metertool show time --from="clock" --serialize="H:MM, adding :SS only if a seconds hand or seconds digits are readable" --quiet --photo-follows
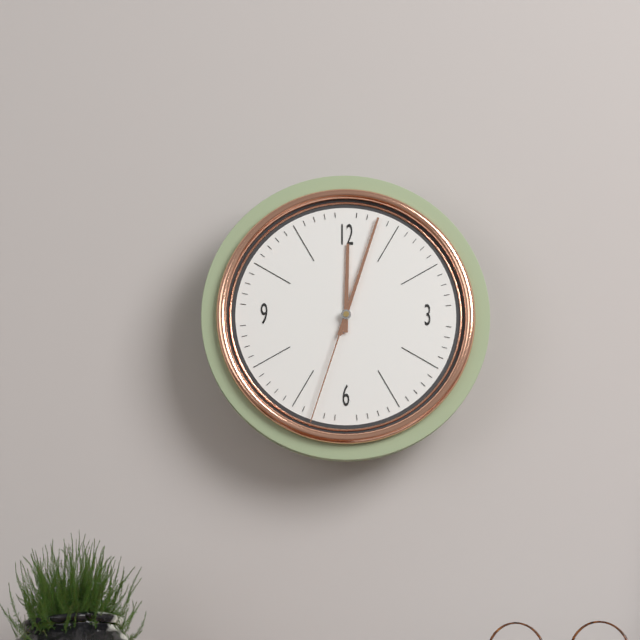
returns 12:03:33
